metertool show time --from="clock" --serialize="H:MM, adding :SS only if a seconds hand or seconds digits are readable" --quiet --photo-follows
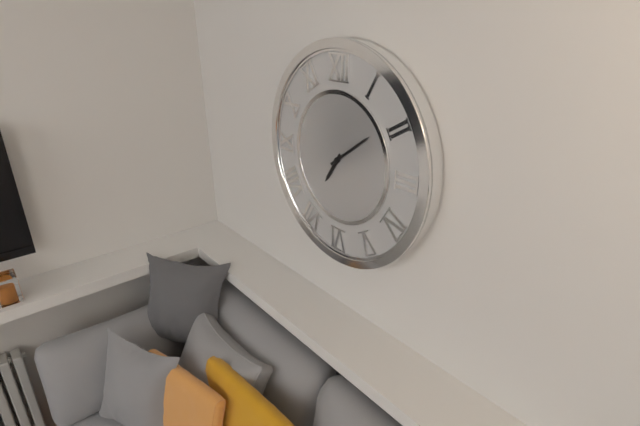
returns 7:09
